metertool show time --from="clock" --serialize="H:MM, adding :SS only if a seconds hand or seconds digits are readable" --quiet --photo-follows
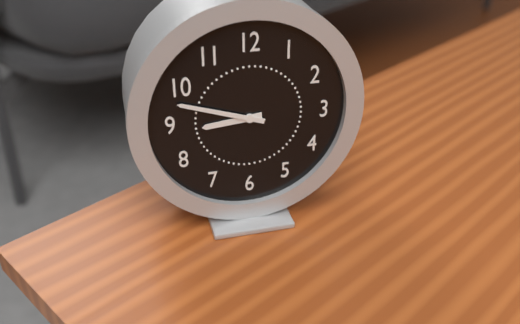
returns 8:48
